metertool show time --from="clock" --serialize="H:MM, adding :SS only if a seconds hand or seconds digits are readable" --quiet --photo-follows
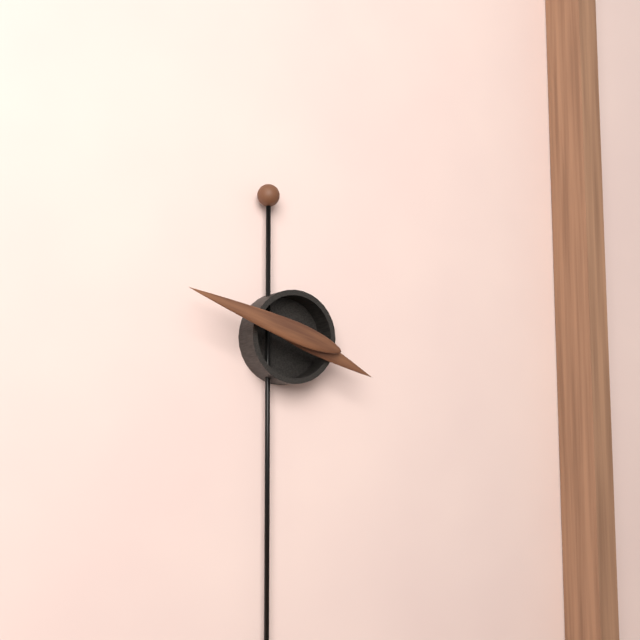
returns 3:48
